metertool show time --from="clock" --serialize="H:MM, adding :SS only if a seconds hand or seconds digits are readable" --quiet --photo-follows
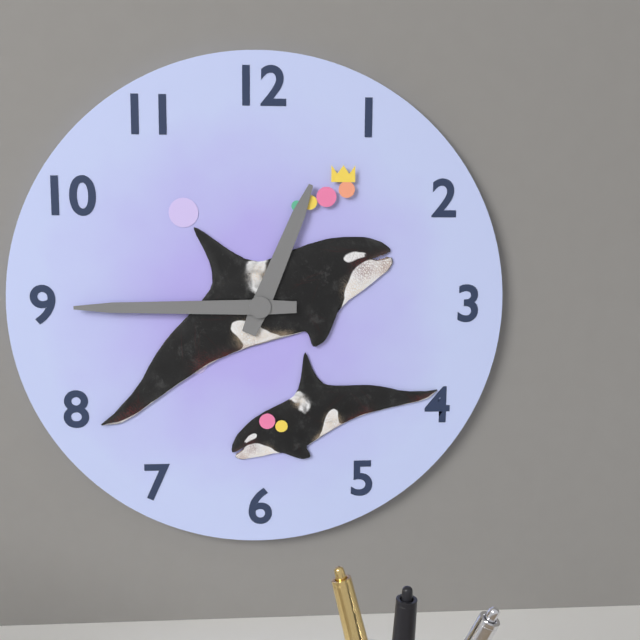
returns 12:45
